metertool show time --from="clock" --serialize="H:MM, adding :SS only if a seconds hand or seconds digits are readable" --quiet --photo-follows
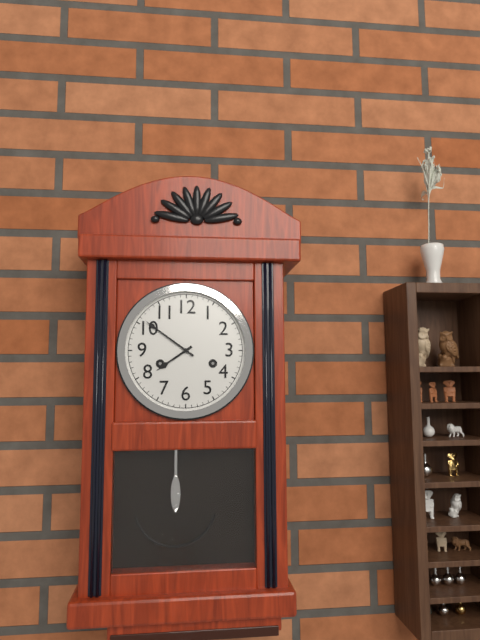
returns 7:51
